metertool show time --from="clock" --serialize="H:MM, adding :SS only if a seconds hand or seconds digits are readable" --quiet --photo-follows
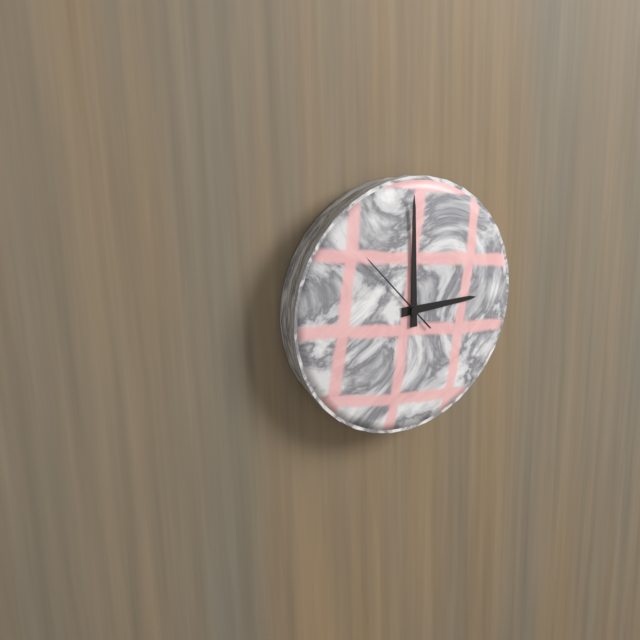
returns 3:00:53
